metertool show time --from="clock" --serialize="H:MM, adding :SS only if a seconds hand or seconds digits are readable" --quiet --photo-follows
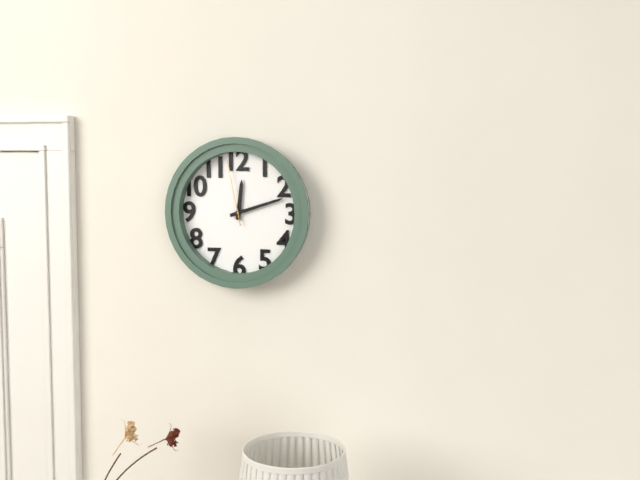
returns 12:12:58
